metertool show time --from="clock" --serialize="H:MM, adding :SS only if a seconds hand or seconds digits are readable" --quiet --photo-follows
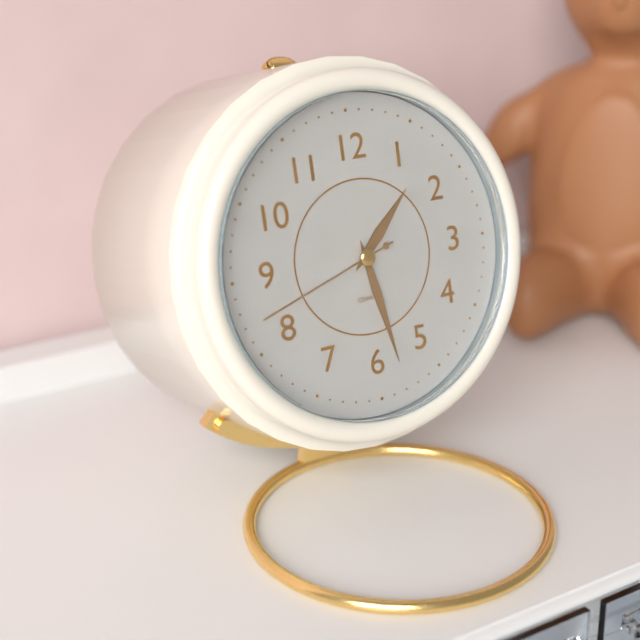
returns 1:28:42
